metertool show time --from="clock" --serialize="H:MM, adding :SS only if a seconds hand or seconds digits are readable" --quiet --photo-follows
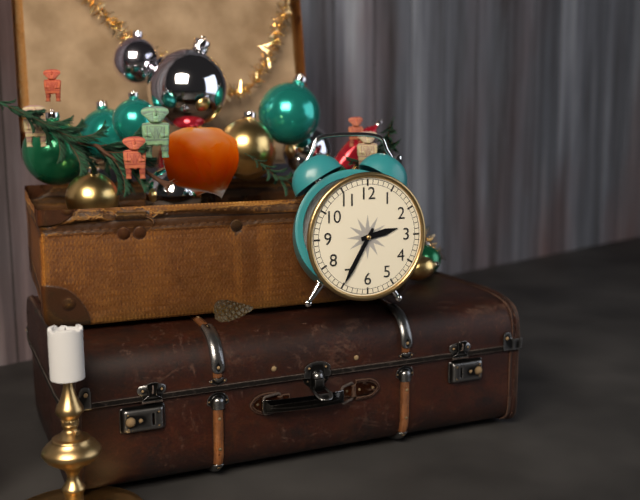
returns 2:35
